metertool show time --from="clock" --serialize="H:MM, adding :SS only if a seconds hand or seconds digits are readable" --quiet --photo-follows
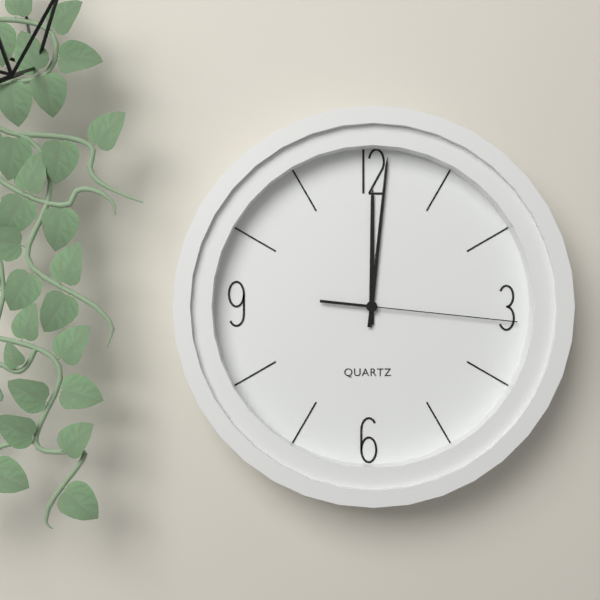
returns 12:01:16
